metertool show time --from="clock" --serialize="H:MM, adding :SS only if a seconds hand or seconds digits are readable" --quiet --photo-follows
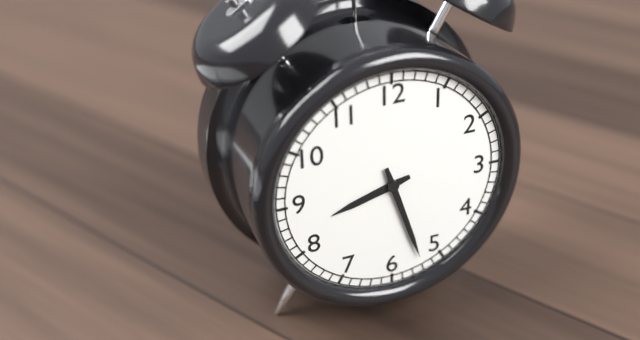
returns 8:27
